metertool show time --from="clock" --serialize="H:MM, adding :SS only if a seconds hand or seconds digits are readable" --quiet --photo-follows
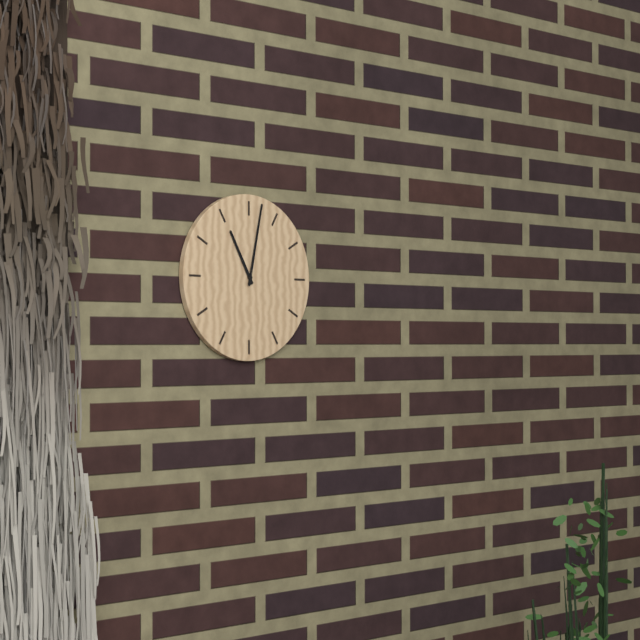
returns 11:02
